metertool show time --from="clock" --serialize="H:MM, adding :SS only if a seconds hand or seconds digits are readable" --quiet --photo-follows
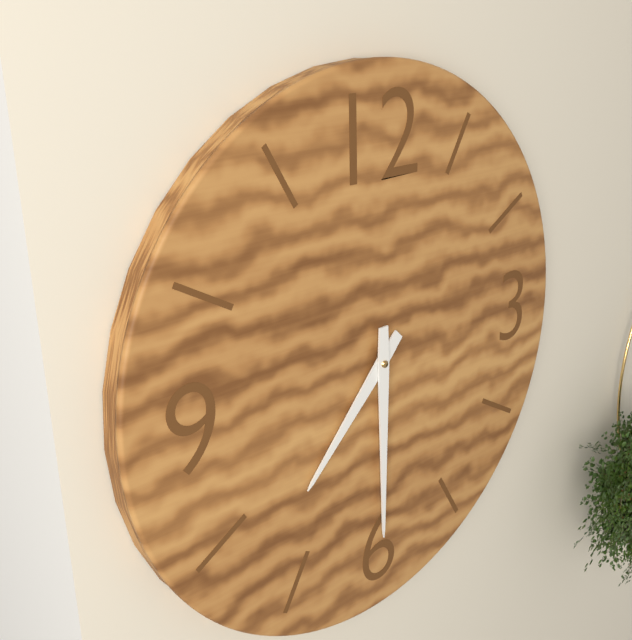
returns 7:30
